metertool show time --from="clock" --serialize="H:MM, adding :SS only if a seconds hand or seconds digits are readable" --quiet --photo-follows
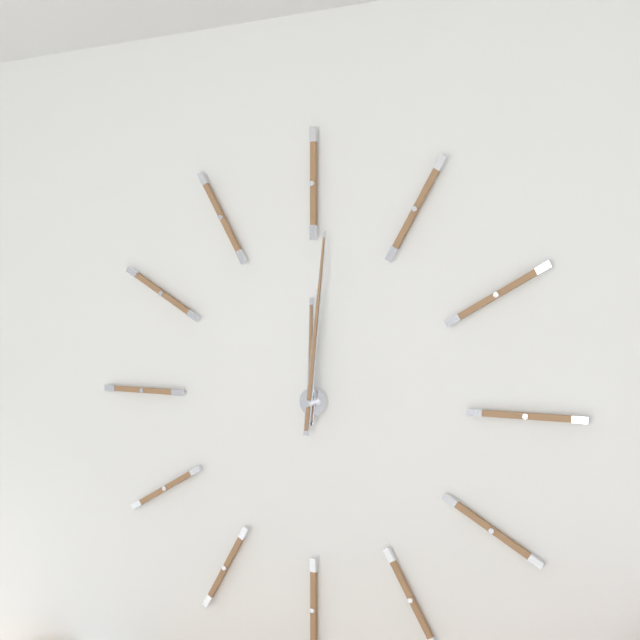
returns 12:01
